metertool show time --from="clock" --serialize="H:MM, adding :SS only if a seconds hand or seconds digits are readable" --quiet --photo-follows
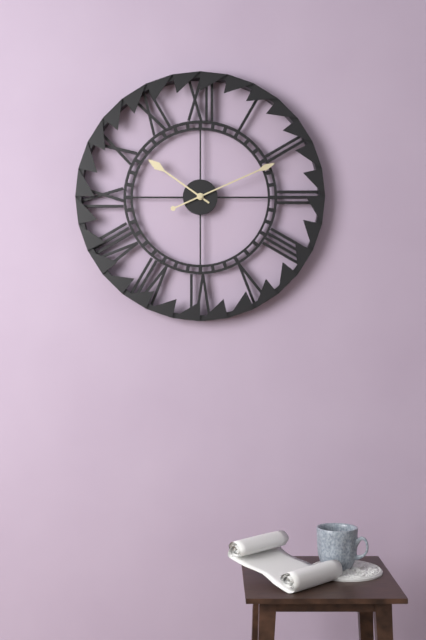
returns 10:11
